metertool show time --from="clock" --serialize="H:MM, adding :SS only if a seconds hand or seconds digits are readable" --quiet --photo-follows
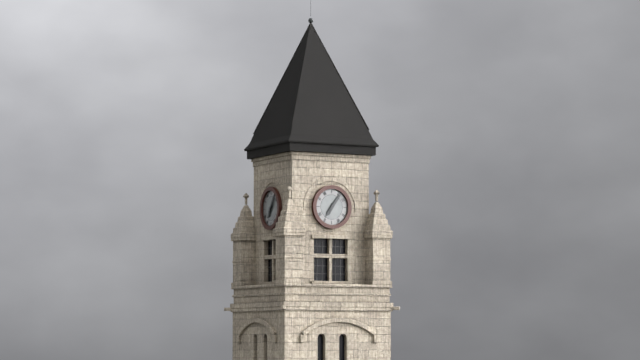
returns 7:06
